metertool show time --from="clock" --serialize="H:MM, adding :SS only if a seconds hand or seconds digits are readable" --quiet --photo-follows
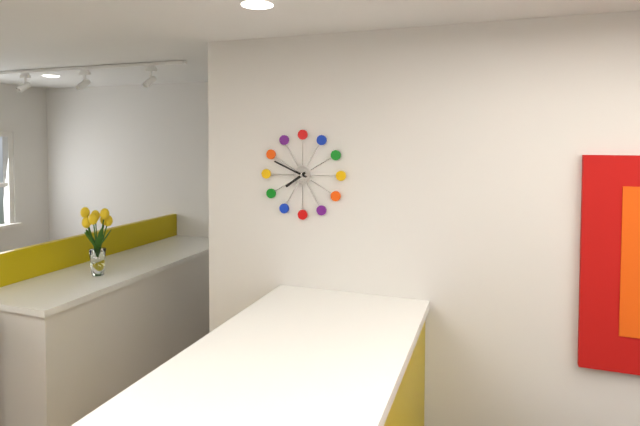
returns 7:49
